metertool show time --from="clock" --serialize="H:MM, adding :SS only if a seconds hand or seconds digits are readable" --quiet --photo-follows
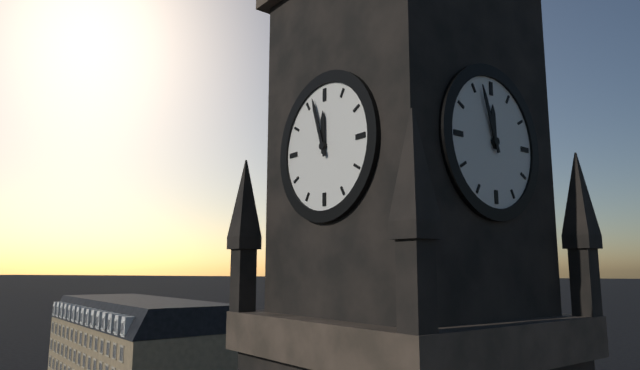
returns 11:57
